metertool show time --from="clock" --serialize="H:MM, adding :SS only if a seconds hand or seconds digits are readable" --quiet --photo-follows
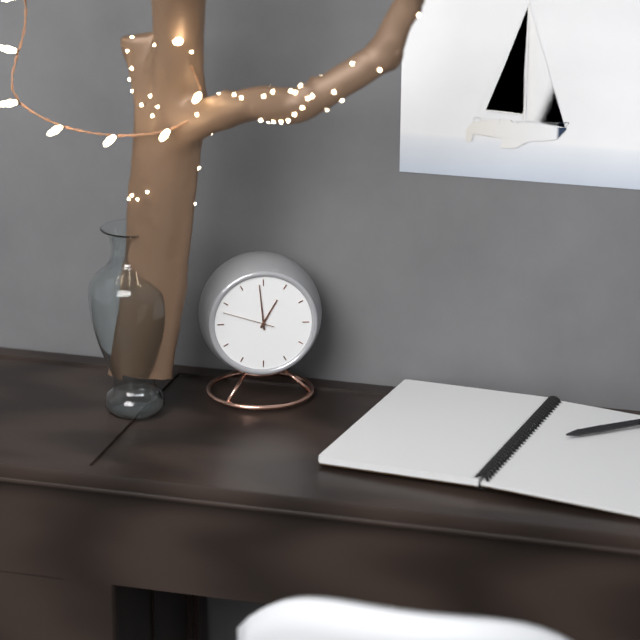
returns 12:59:48
